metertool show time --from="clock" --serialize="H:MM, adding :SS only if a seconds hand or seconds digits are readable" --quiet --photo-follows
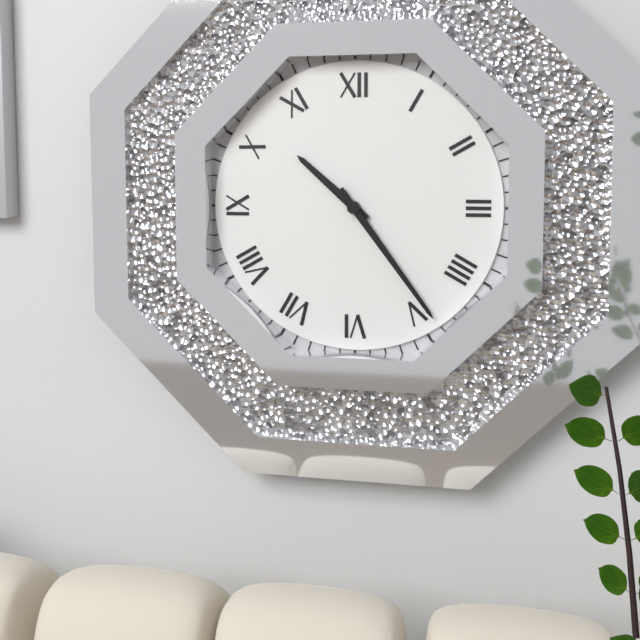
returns 10:24
